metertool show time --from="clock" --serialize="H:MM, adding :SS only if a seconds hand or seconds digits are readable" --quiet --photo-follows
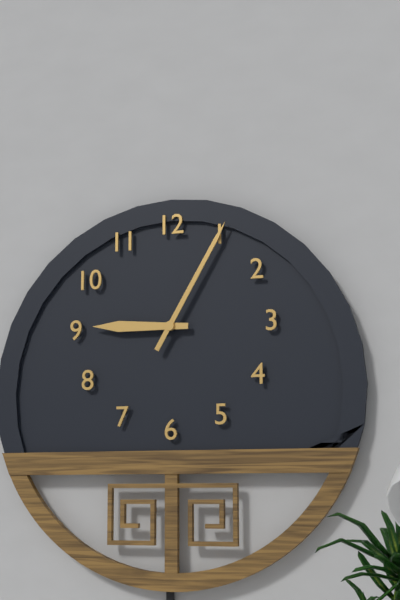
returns 9:05
